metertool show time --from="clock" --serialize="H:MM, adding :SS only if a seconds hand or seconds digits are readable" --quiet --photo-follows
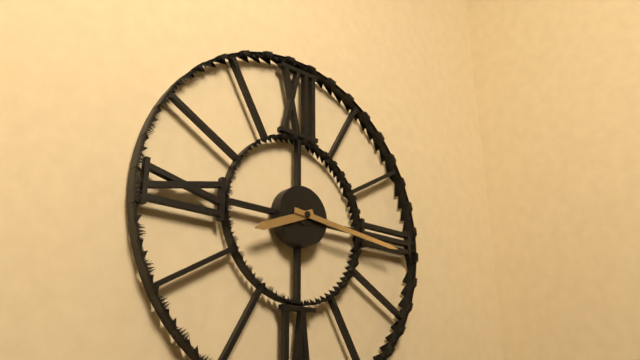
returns 8:16
